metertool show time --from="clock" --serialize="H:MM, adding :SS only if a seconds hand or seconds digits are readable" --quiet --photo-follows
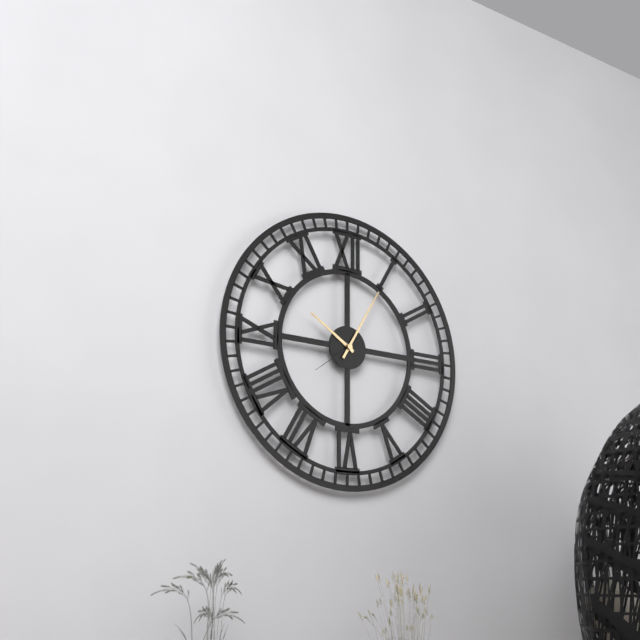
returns 10:05:39
